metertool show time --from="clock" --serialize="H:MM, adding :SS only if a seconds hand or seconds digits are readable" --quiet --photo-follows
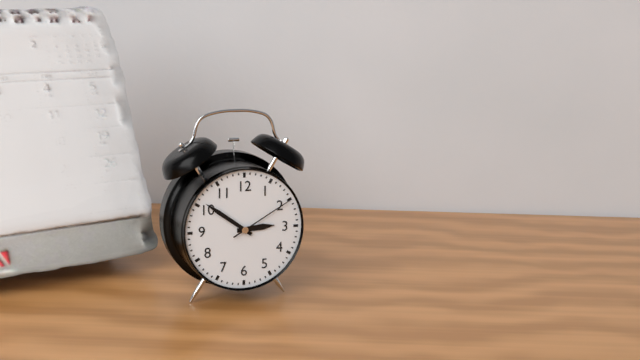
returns 2:51:10
